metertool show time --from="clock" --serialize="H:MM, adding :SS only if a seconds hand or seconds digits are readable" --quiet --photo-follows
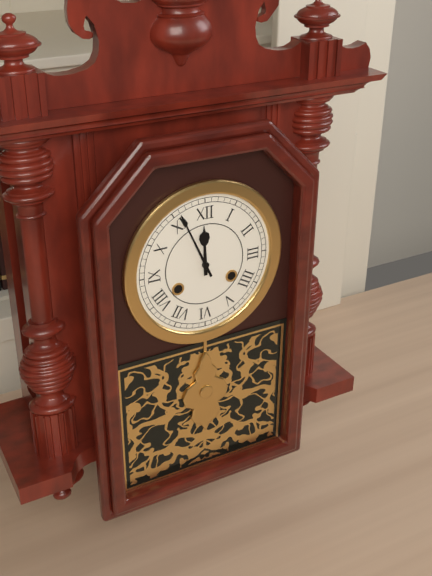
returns 11:56
